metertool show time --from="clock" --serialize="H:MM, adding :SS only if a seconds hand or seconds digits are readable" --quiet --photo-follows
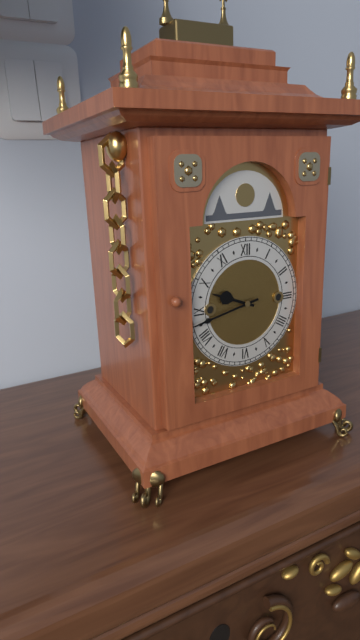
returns 9:43
